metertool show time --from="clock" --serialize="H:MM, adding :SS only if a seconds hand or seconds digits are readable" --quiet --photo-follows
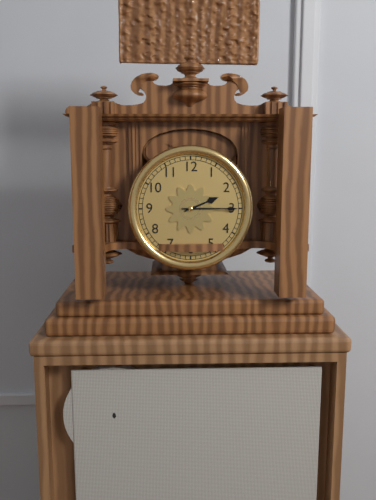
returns 2:15
